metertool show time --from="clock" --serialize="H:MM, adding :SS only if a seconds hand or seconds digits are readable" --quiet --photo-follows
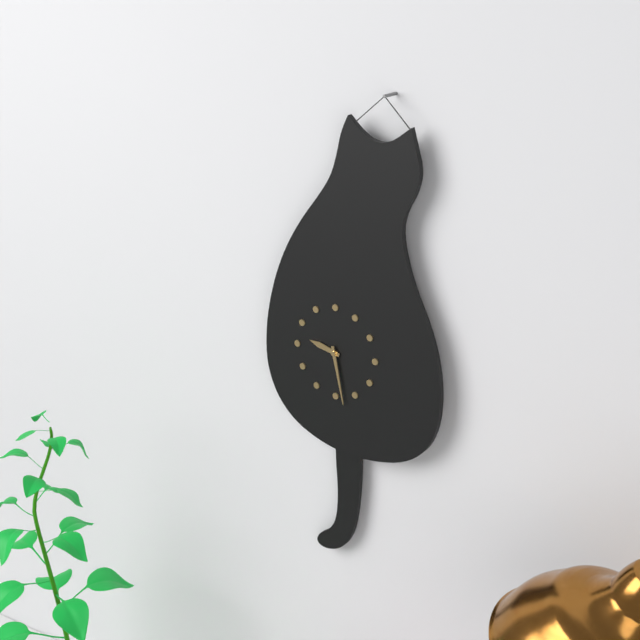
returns 9:28
